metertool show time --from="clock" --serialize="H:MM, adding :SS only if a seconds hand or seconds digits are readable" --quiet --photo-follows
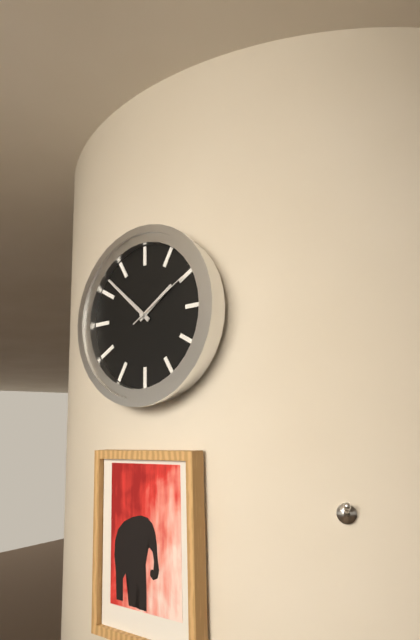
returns 1:52:10
